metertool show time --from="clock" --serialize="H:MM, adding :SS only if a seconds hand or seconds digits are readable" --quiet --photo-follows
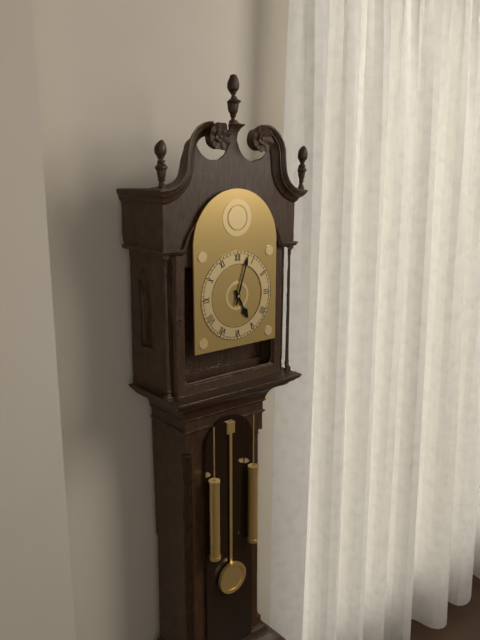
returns 5:03
